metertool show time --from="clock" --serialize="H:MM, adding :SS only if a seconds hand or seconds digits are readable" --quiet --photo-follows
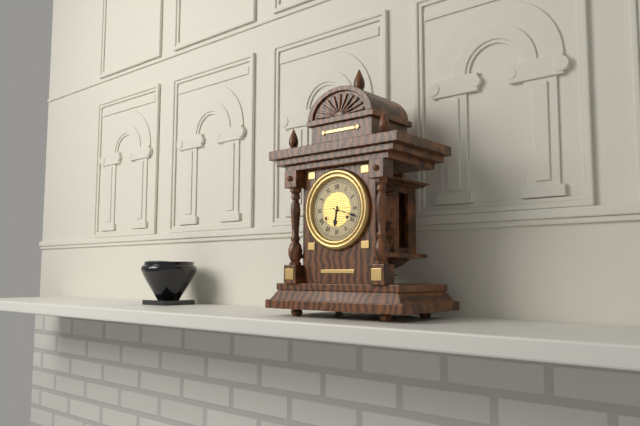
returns 6:18
